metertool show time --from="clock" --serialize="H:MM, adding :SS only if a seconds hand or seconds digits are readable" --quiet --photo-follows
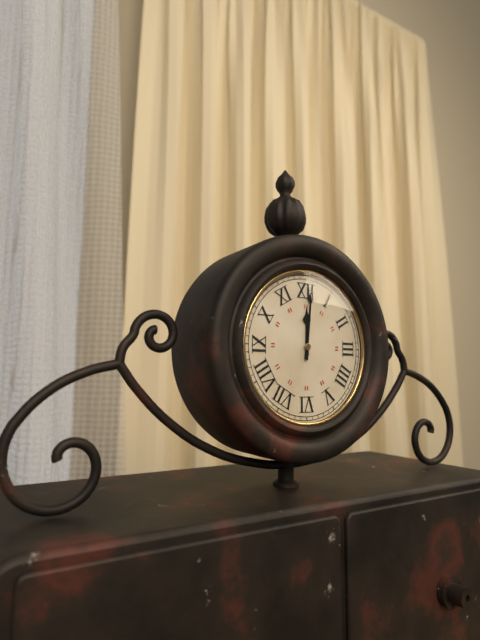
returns 12:01
